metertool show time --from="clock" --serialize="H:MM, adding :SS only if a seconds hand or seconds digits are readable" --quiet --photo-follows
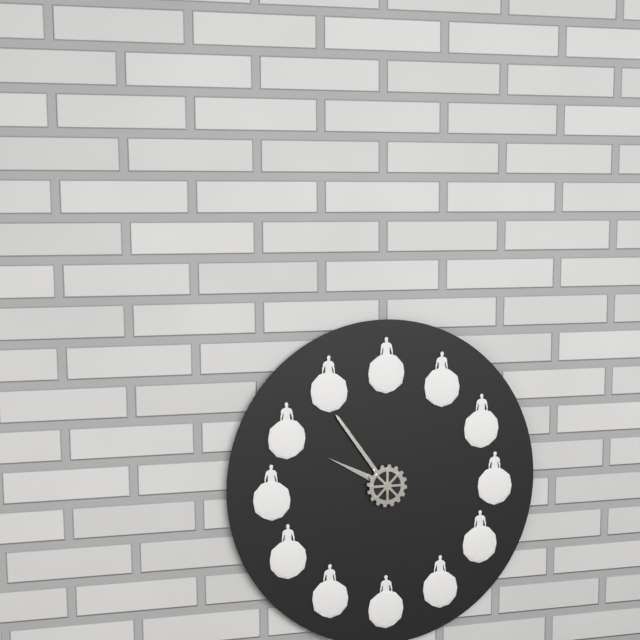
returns 9:54
